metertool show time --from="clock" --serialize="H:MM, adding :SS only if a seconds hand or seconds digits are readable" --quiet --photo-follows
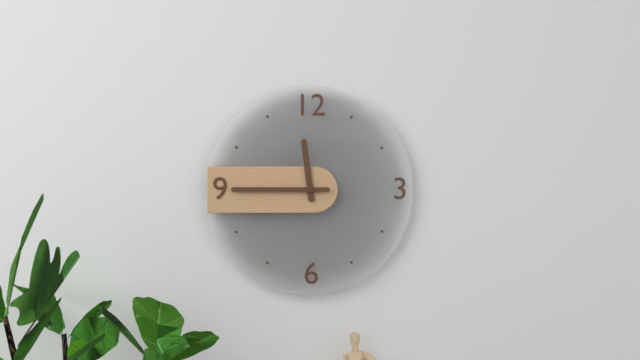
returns 11:45
